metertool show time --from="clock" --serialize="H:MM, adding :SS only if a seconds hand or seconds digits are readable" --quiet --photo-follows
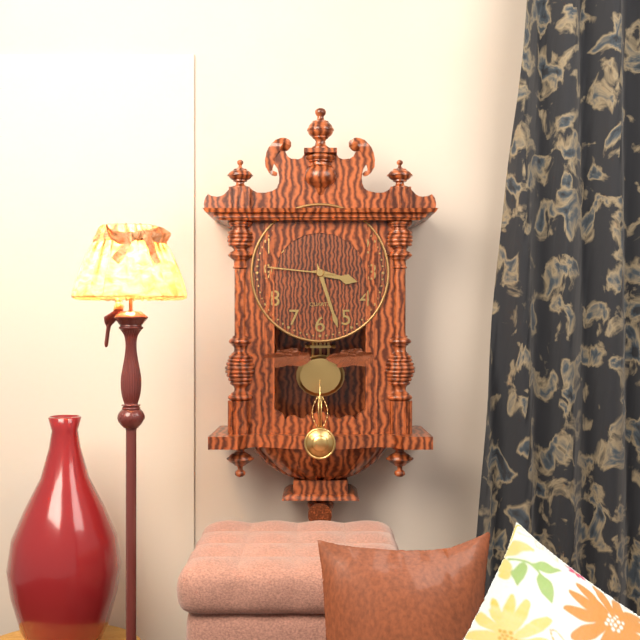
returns 3:27:46
